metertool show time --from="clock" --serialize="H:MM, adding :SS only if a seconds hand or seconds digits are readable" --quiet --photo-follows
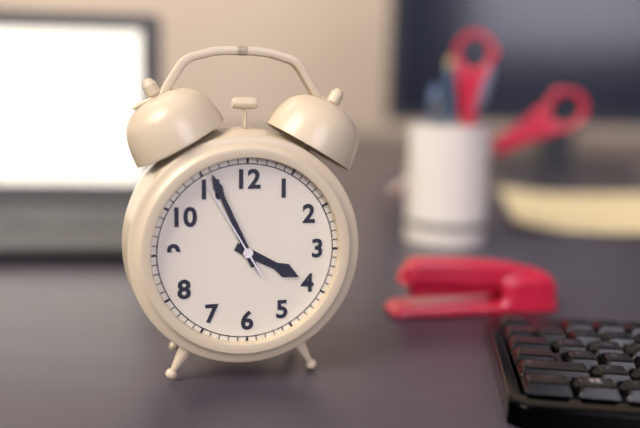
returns 3:56:55
